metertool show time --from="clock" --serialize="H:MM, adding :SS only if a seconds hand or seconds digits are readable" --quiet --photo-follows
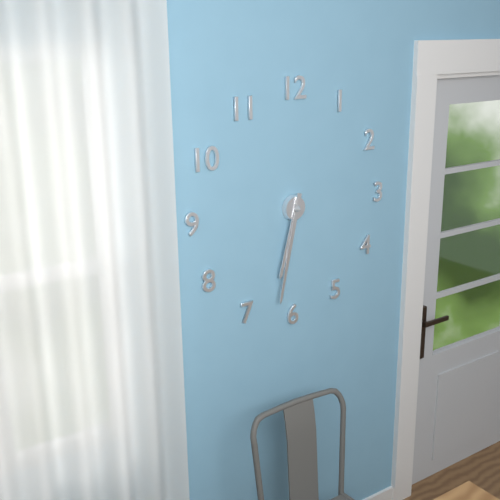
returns 6:32
